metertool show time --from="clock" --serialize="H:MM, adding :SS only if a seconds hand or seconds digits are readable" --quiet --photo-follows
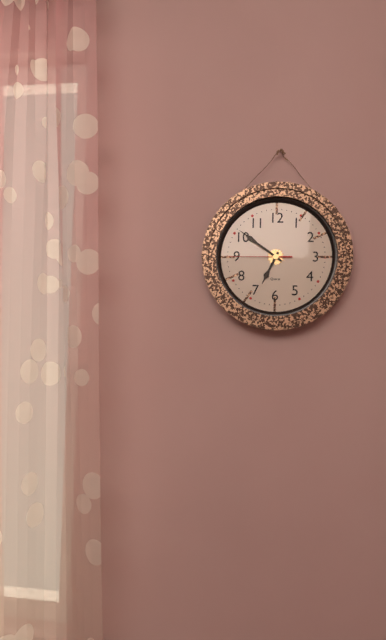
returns 6:51:45
